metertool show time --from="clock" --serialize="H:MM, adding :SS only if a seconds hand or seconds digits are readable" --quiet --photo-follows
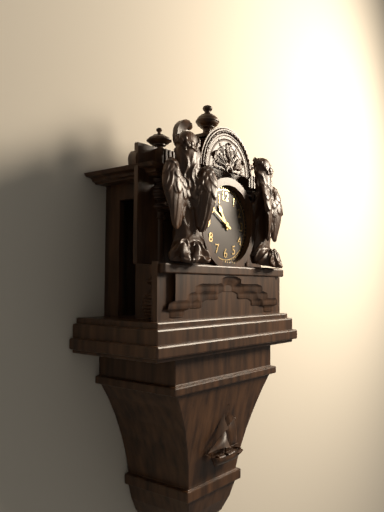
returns 10:50
